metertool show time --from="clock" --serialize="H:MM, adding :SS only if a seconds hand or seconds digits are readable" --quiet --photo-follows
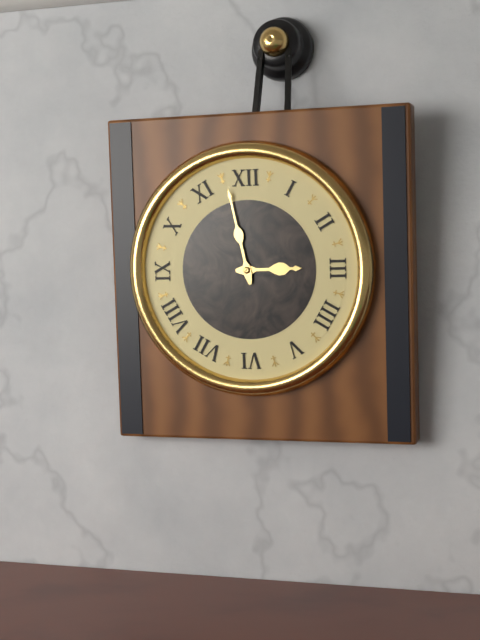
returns 2:58
